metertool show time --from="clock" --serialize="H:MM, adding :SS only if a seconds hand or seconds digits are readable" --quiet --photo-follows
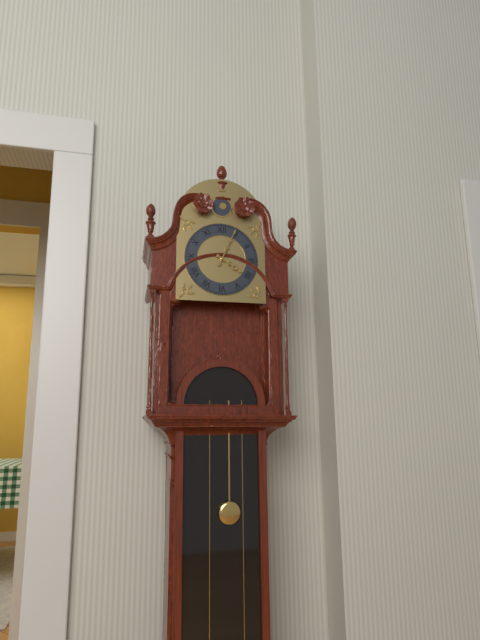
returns 4:04
